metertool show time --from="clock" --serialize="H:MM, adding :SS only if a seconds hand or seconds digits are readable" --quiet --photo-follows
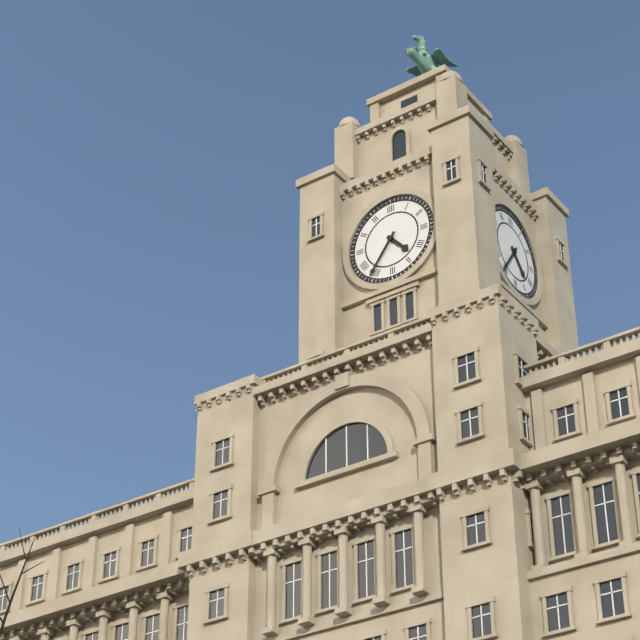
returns 4:36
